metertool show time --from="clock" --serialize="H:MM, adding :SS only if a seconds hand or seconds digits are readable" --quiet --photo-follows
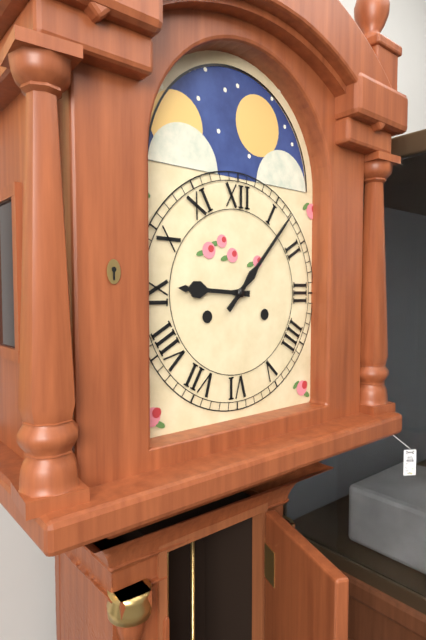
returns 9:07
